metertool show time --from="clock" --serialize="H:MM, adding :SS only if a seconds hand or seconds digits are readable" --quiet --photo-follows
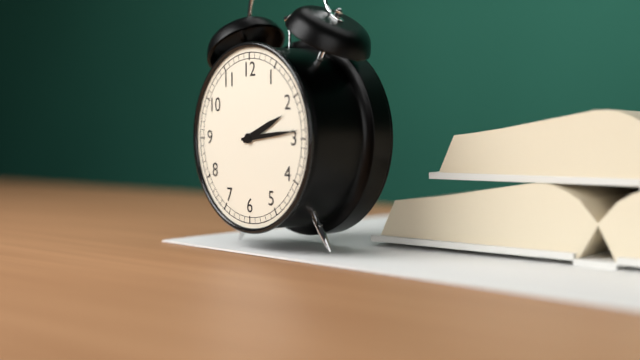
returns 2:14
